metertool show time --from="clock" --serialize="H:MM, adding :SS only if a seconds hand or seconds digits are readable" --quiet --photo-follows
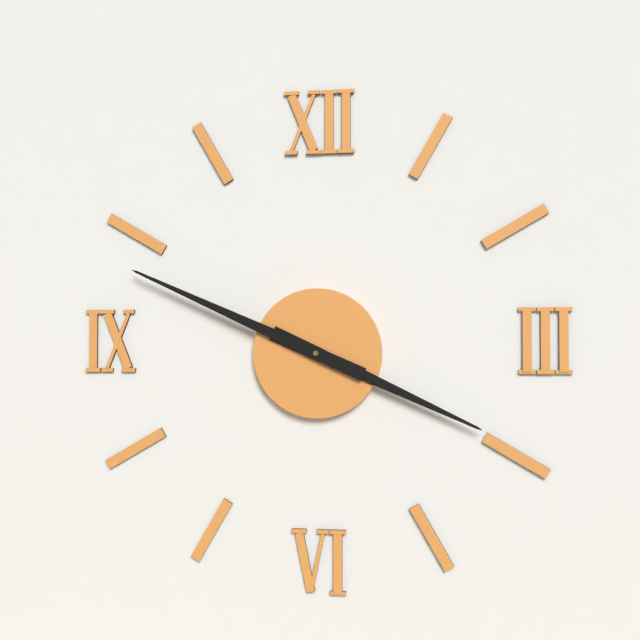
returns 3:49
